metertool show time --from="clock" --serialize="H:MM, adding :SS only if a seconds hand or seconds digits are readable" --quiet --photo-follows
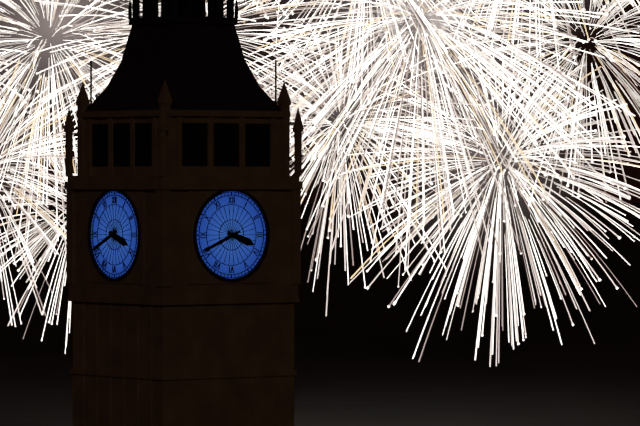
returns 3:41
